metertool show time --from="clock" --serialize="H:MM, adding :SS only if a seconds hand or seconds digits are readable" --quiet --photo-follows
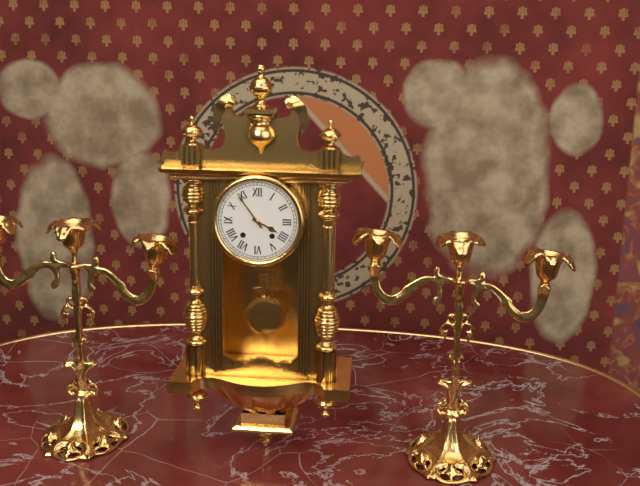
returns 3:54
